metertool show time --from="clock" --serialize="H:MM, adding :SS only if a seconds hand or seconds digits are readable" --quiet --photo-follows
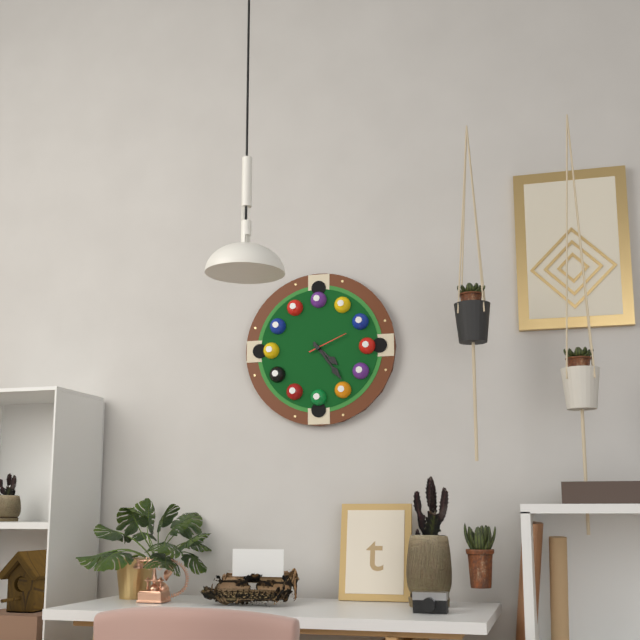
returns 4:24
